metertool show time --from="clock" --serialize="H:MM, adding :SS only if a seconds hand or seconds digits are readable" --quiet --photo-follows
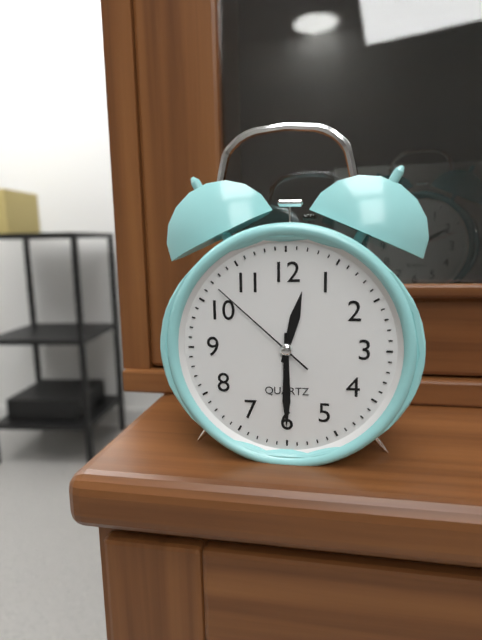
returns 12:30:52
